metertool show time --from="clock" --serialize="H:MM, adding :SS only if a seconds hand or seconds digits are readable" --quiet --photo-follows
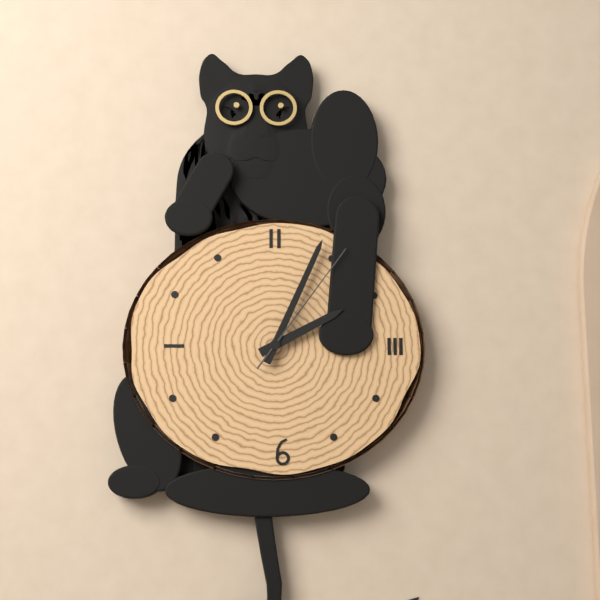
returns 2:04:06
